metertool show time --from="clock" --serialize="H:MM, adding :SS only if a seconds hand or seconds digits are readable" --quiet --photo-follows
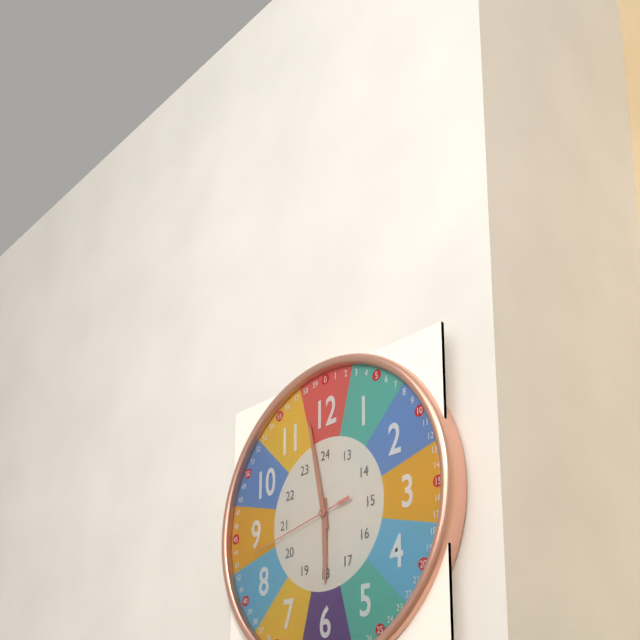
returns 5:58:43
